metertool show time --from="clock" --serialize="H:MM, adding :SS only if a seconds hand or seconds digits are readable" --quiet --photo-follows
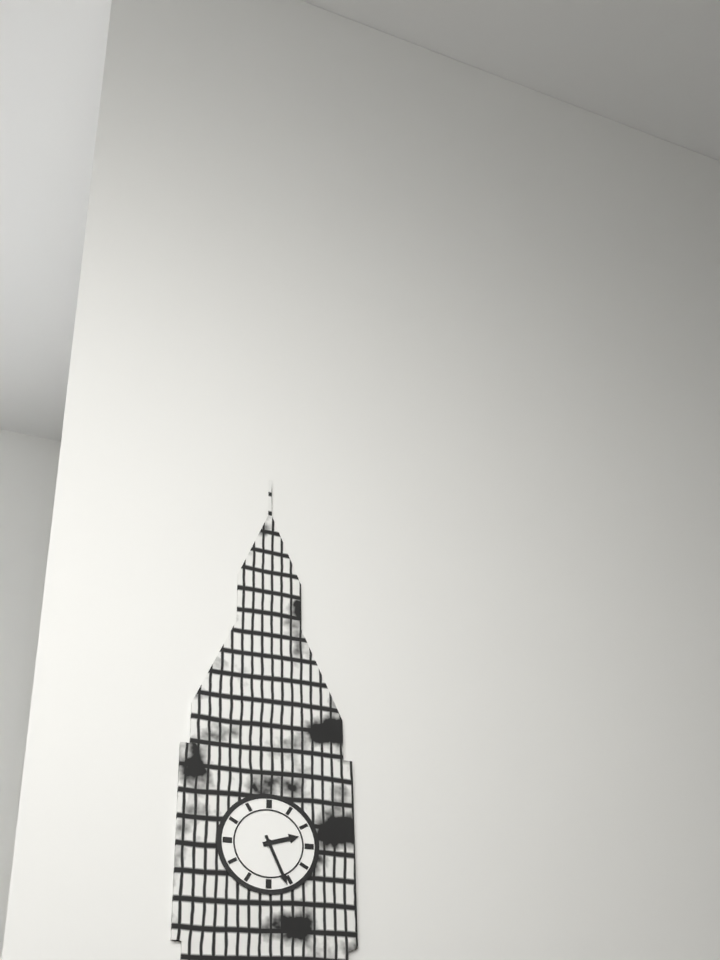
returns 2:26
